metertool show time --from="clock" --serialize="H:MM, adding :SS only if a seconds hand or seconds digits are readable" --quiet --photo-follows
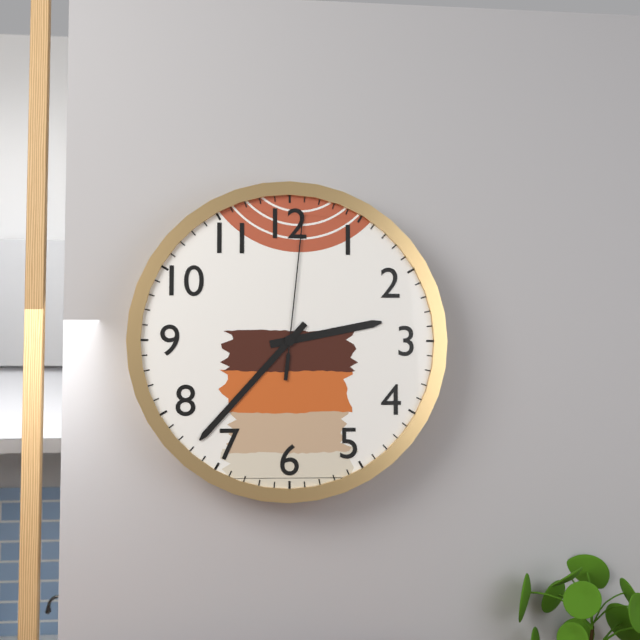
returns 2:37:01
